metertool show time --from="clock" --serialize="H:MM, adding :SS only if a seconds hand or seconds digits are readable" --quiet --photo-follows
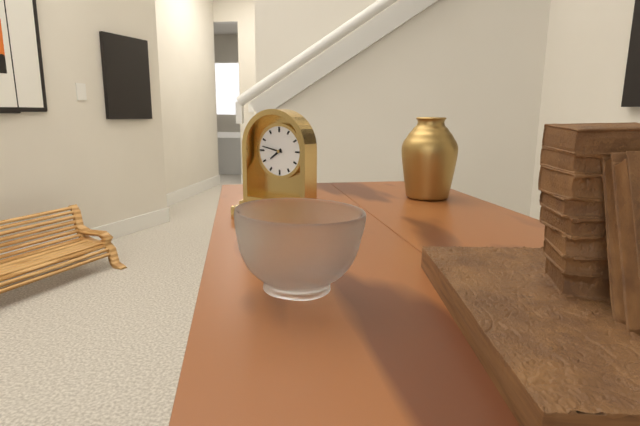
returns 7:47
